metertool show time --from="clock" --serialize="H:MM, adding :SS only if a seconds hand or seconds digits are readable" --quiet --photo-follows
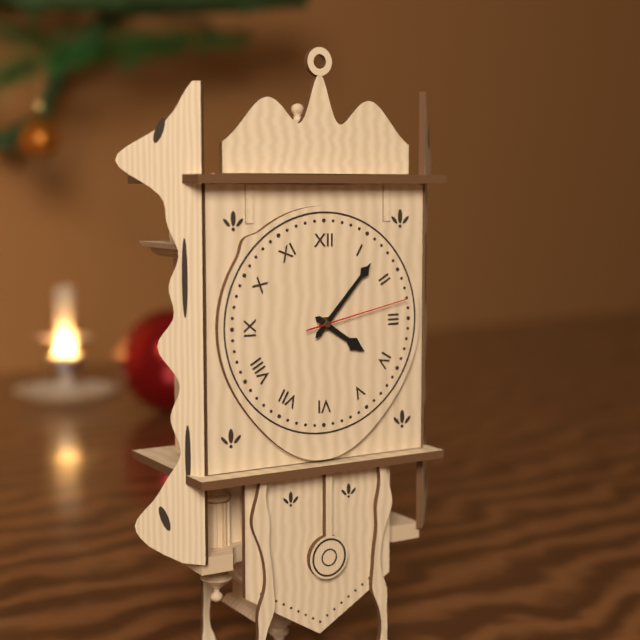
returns 4:07:13
